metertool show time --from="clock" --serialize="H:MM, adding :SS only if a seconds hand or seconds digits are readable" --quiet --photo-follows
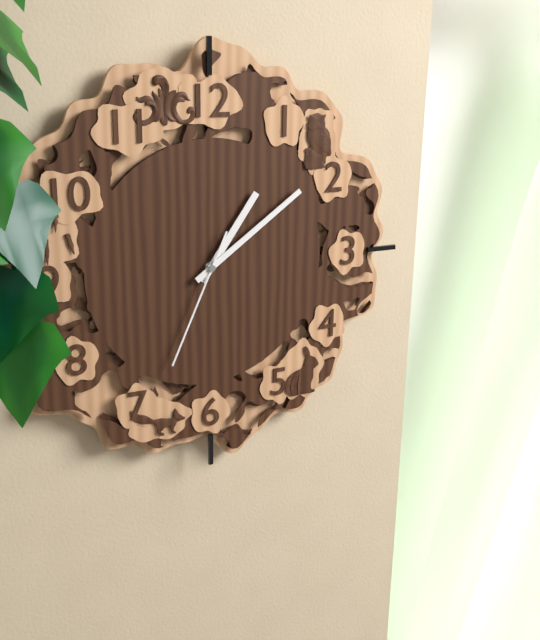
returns 1:09:34
